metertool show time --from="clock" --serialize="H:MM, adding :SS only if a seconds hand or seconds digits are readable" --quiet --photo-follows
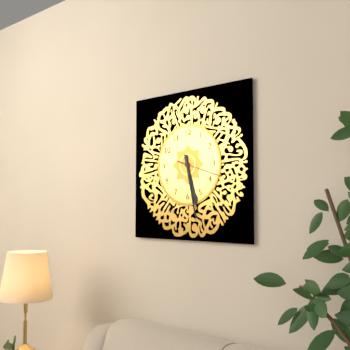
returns 5:28:18
